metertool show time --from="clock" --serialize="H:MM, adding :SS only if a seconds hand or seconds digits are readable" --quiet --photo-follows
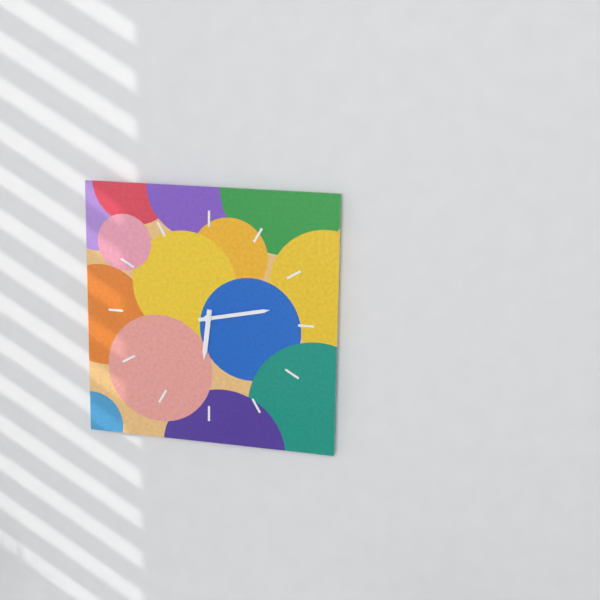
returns 6:13
